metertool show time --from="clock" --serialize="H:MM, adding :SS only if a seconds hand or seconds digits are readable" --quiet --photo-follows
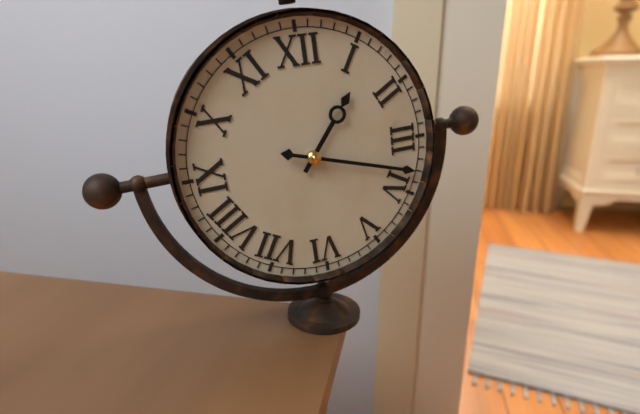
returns 1:18
